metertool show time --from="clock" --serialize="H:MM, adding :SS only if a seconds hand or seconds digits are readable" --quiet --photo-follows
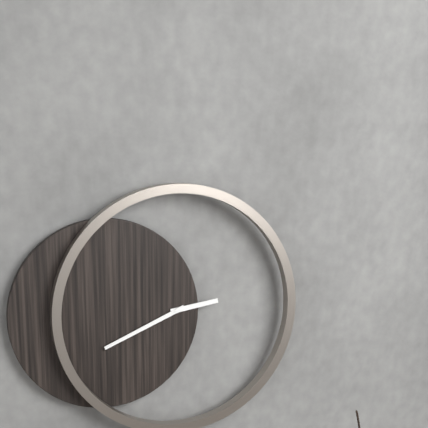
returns 2:41
